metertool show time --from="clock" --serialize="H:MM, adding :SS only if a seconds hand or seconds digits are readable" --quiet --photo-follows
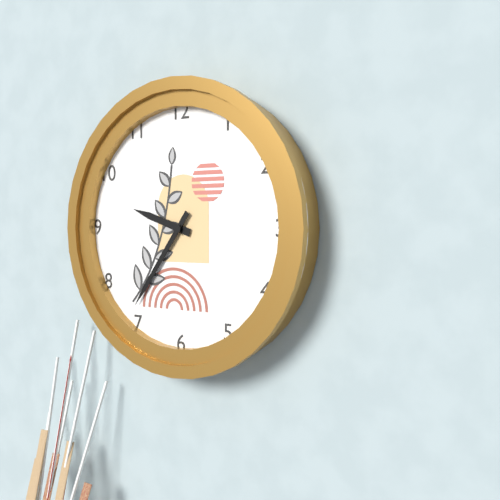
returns 9:36
